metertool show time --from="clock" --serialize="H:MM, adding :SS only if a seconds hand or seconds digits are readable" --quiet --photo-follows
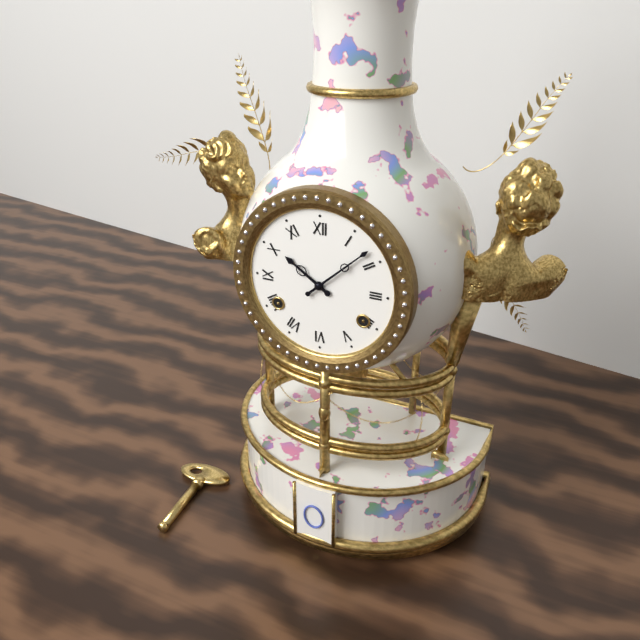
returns 10:08
